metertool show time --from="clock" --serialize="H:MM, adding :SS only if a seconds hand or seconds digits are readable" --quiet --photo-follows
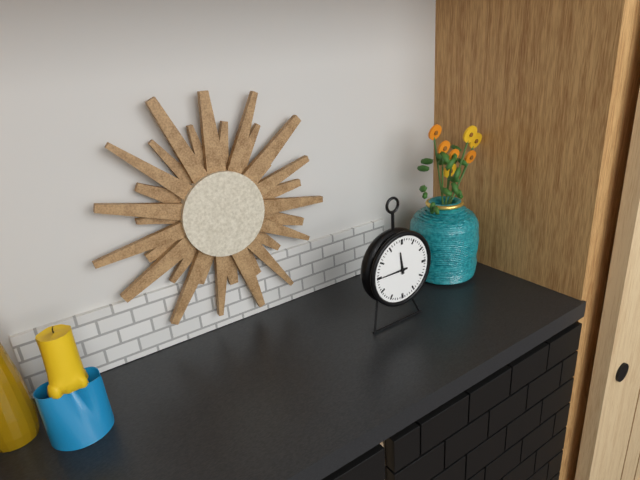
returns 11:45
